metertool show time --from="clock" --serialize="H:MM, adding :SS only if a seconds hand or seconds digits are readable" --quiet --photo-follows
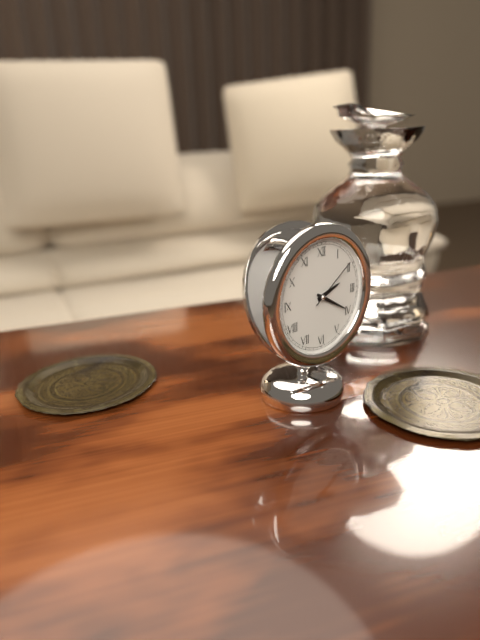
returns 2:20:09
